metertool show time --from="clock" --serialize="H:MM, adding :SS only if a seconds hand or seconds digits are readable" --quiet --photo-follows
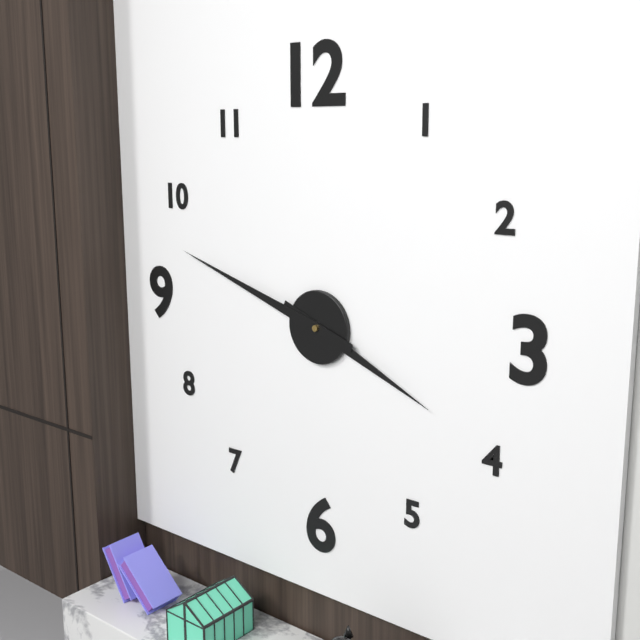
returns 3:48
